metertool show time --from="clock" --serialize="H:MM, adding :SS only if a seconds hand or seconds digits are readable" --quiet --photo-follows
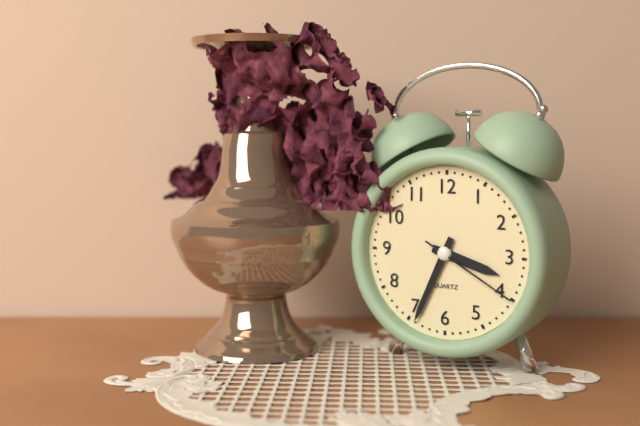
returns 3:34:20
